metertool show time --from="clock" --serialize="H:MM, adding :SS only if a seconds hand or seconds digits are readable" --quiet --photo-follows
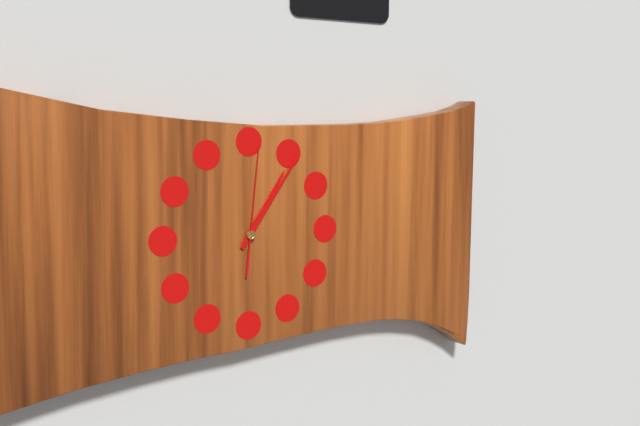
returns 1:06:01
